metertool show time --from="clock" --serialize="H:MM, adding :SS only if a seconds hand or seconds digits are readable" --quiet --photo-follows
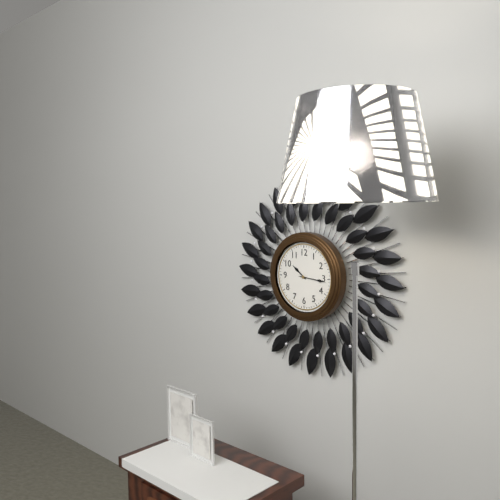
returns 10:16
